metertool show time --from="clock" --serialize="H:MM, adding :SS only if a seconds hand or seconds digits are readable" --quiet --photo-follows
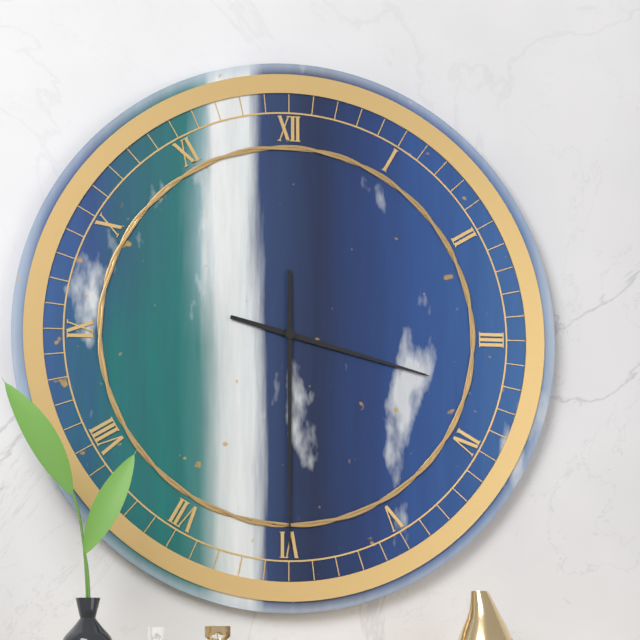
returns 3:30
